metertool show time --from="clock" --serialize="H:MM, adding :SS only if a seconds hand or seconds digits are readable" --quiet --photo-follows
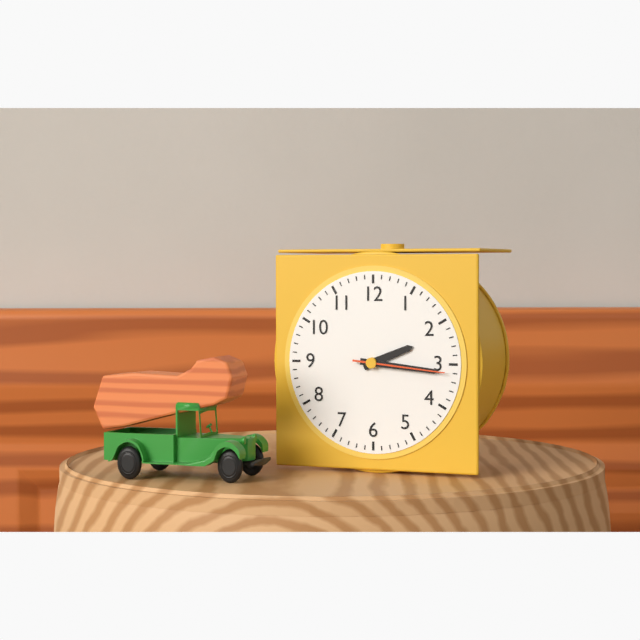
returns 2:16:16
